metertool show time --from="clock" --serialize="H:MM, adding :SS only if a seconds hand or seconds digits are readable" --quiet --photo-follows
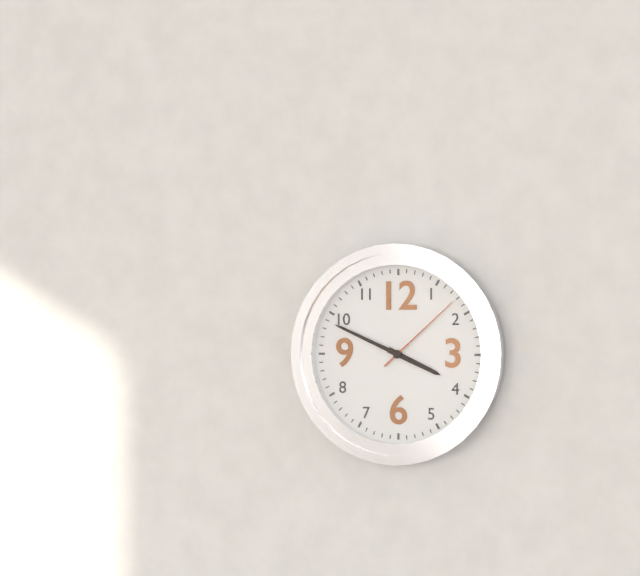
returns 3:49:08
